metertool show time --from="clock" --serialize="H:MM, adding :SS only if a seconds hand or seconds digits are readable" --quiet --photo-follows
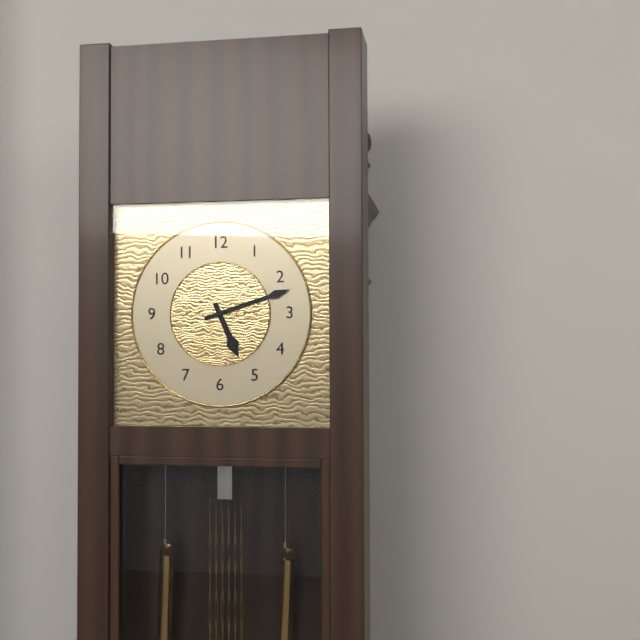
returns 5:12
